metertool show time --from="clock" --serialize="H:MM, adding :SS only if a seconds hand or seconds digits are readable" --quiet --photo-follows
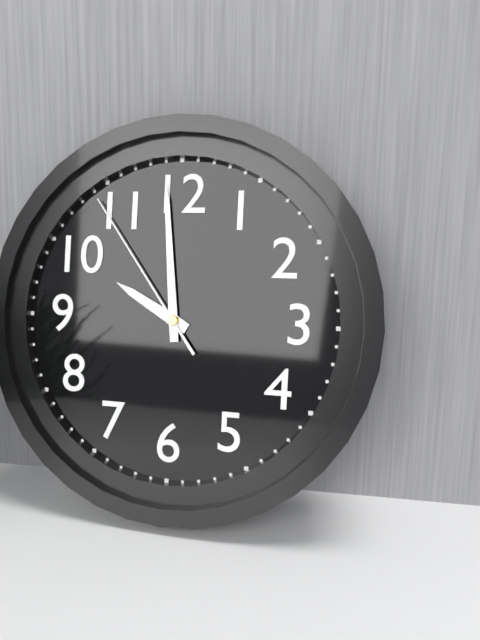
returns 9:59:54
